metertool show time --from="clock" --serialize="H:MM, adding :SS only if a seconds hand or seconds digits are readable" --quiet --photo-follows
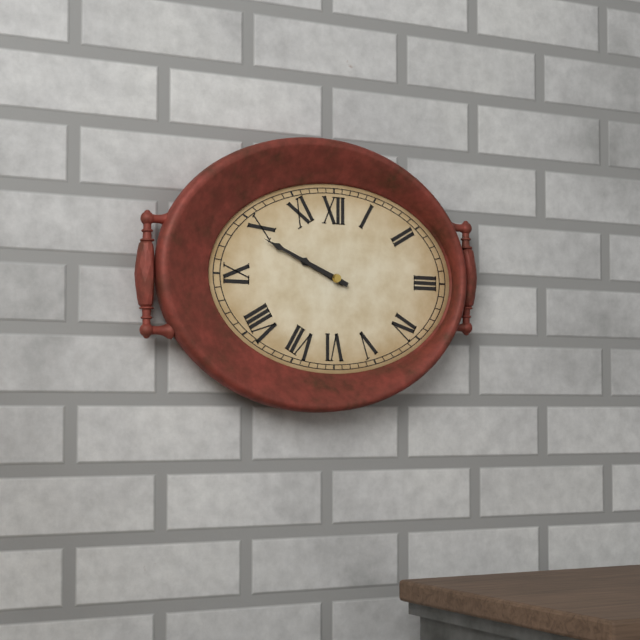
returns 9:49
